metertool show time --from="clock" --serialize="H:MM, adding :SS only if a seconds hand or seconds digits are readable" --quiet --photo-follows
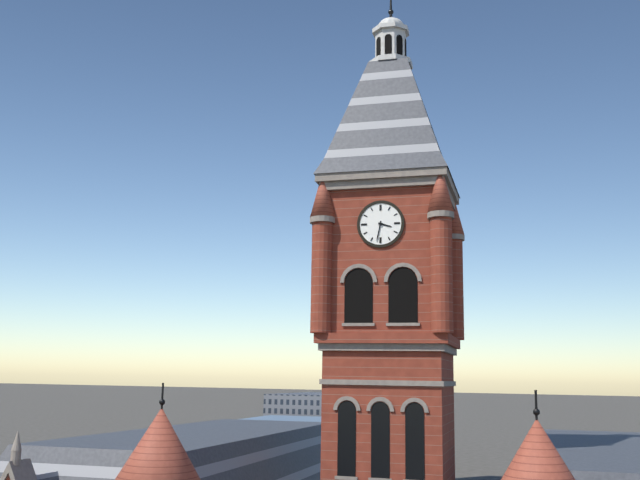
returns 3:32
